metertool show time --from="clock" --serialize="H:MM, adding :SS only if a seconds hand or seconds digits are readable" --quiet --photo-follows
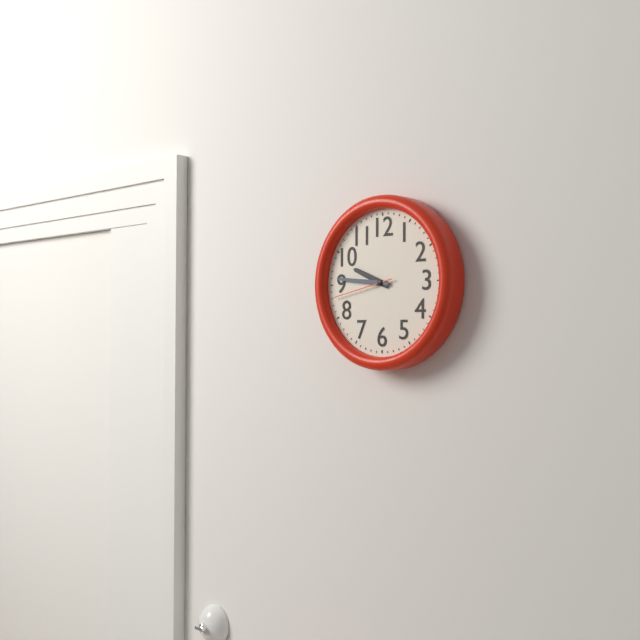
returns 9:46:43
